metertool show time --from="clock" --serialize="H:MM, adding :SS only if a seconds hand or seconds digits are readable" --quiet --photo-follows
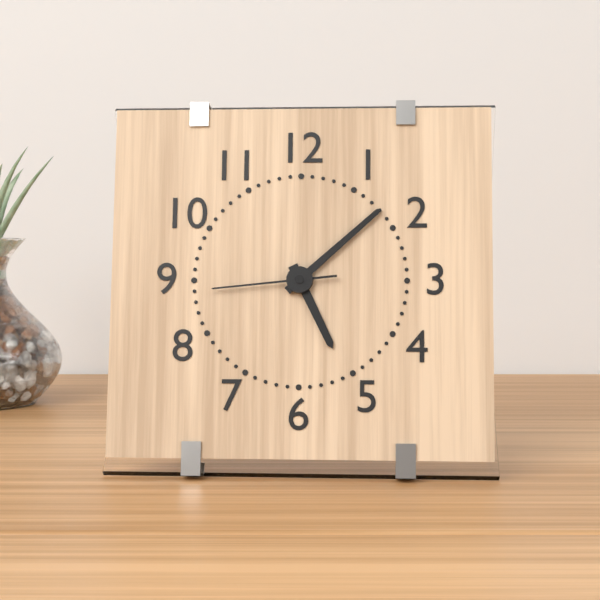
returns 5:08:44
